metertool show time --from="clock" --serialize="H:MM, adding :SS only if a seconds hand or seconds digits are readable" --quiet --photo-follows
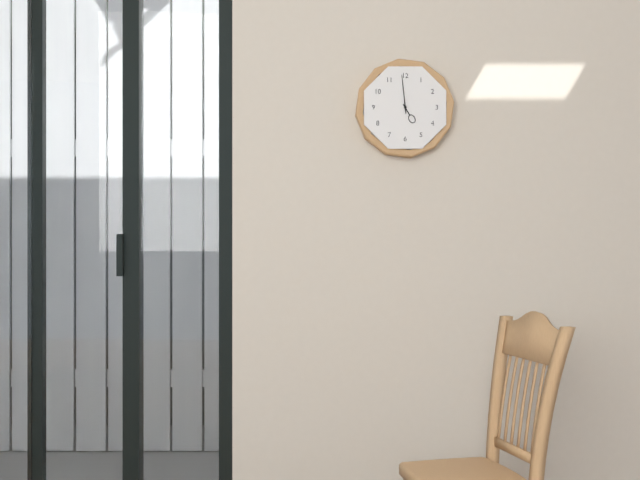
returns 4:59
